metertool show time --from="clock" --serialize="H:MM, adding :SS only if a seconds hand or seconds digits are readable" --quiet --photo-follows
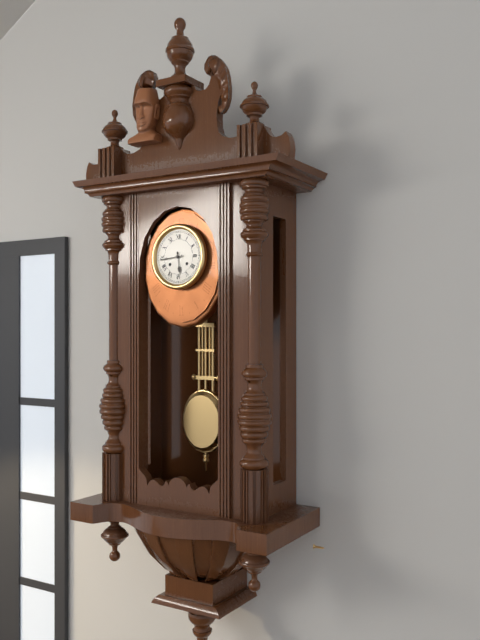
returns 5:44
